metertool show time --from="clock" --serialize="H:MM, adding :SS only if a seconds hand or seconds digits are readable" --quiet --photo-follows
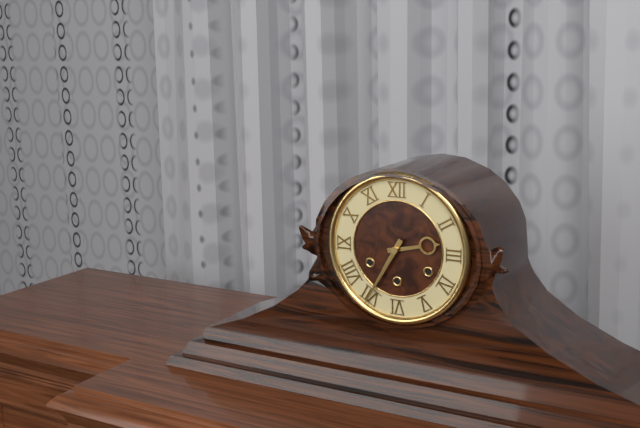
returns 2:35
